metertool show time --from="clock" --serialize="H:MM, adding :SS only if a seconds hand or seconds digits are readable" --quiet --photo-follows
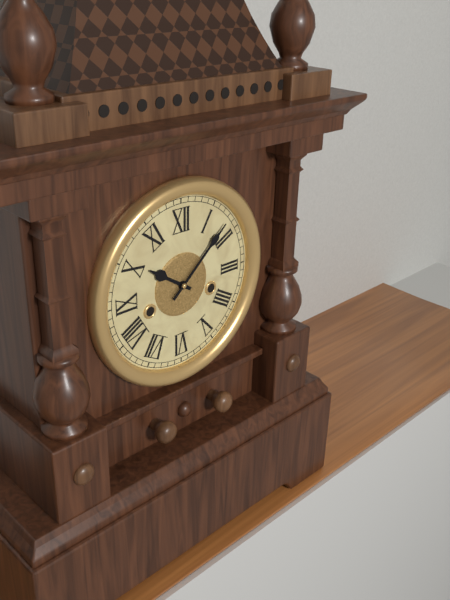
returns 10:08
